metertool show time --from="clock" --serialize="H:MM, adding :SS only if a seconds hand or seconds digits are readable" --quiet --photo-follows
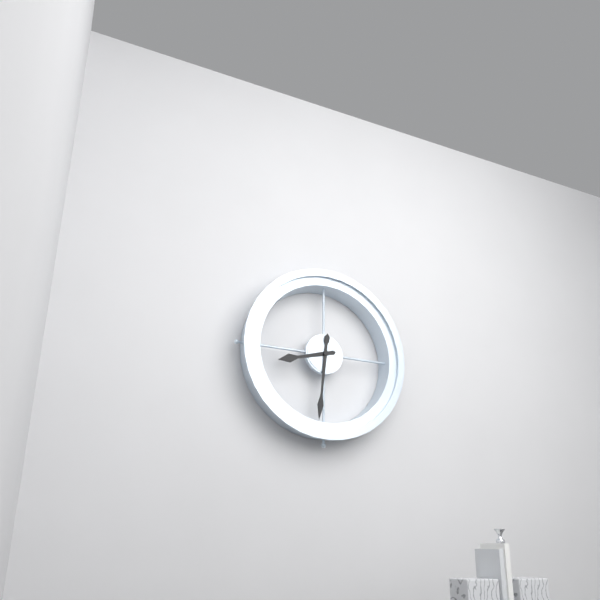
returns 8:31
